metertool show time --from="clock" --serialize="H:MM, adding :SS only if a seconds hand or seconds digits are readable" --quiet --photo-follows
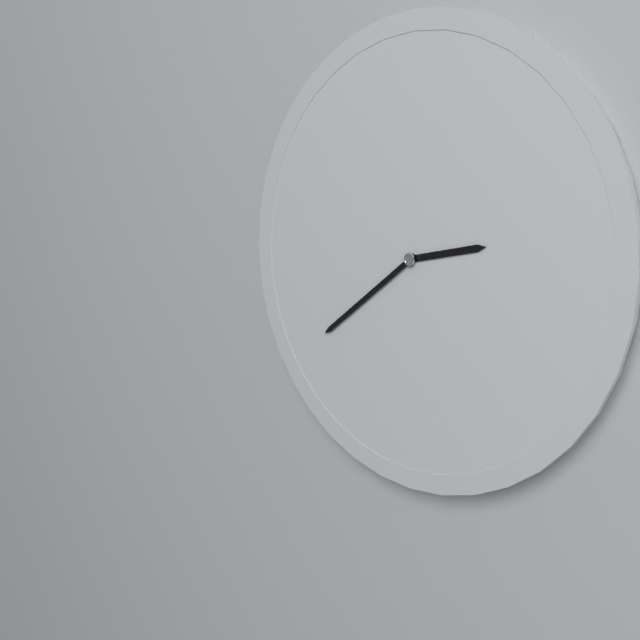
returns 2:39
